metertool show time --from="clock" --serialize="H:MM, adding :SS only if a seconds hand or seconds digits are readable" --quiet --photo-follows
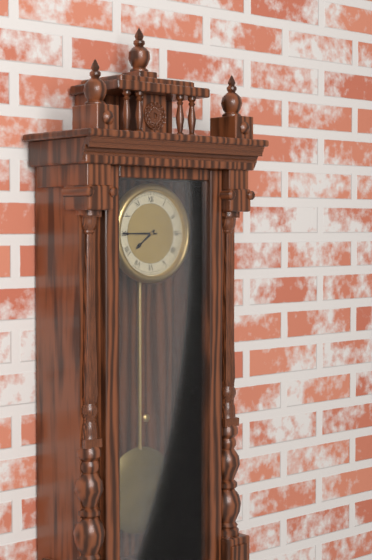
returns 7:45
